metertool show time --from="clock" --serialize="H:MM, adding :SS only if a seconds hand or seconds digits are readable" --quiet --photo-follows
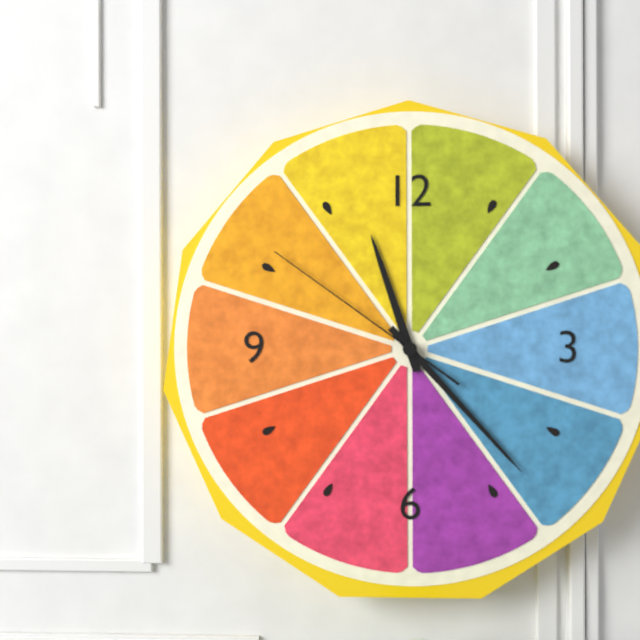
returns 11:23:51
